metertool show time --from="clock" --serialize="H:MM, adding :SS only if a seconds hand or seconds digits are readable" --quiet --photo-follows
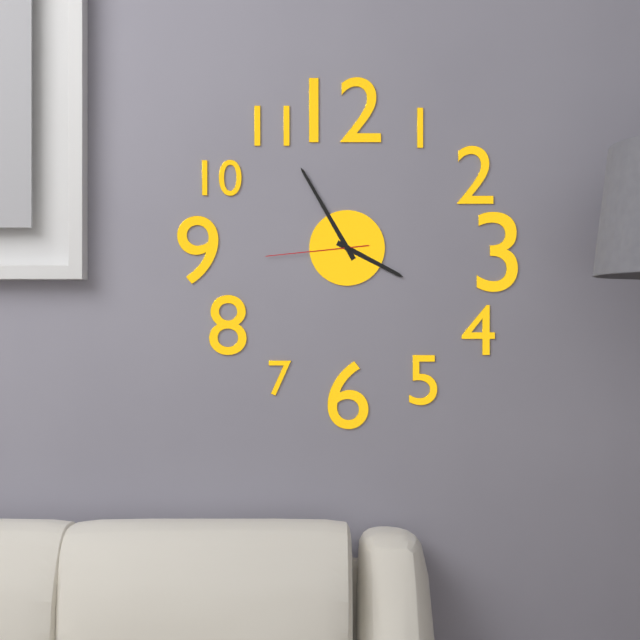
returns 3:55:44
